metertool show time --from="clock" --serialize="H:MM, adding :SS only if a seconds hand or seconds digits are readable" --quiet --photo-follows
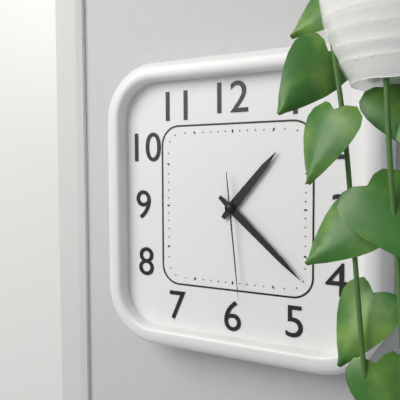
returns 1:22:29
